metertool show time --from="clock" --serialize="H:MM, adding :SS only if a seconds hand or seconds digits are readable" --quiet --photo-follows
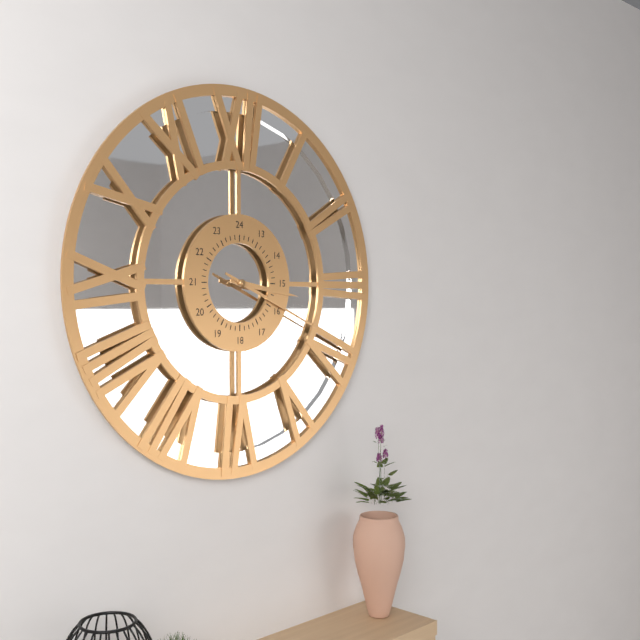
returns 3:19
